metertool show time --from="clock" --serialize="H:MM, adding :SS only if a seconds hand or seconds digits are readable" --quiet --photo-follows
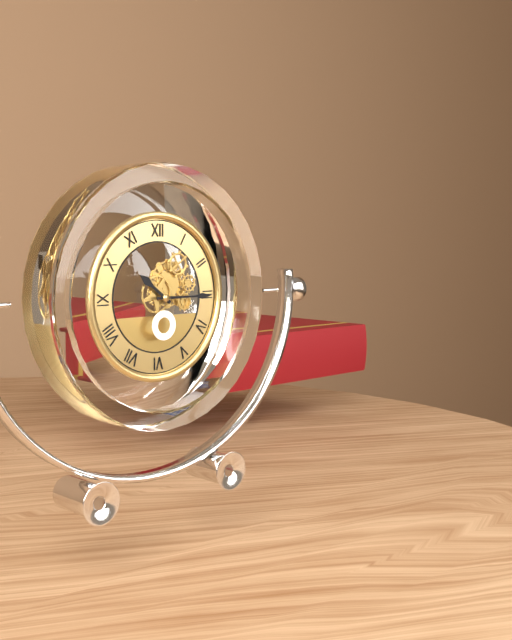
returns 10:15
